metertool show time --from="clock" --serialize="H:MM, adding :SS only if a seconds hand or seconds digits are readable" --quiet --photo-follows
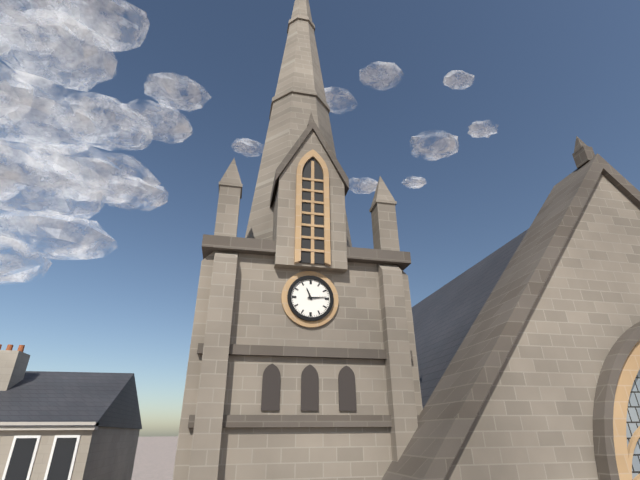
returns 11:14
